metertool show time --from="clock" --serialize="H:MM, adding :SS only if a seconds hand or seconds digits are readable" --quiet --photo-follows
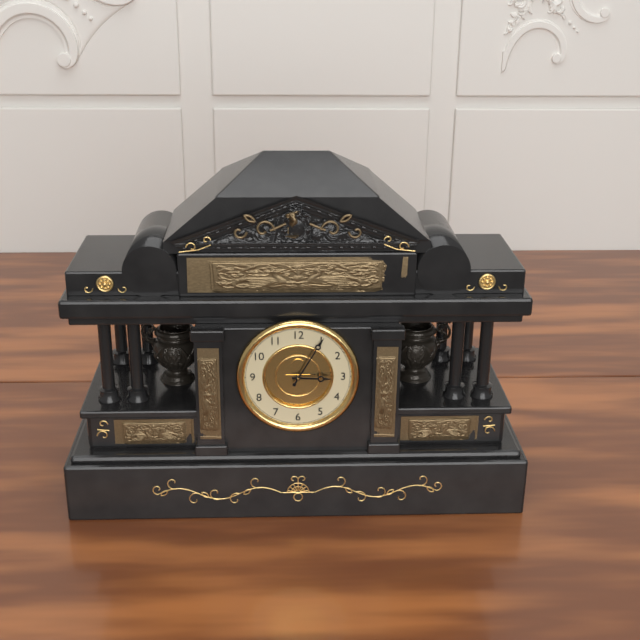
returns 3:05
